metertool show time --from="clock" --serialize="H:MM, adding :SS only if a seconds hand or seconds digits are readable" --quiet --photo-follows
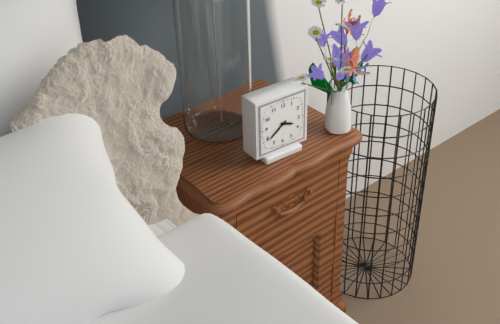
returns 3:39
